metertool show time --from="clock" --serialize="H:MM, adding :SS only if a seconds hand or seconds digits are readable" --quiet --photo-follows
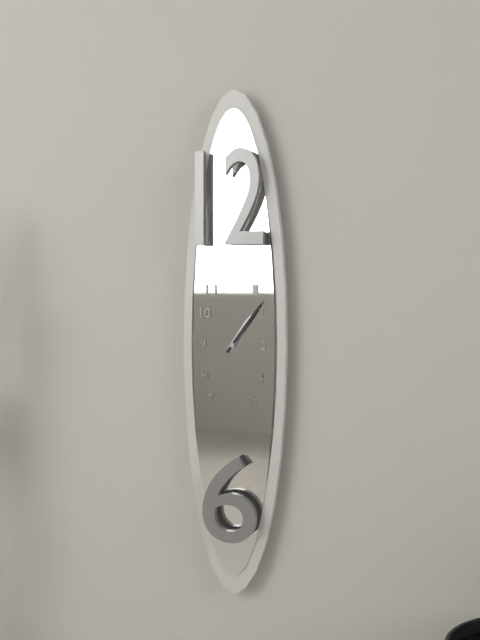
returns 1:06
